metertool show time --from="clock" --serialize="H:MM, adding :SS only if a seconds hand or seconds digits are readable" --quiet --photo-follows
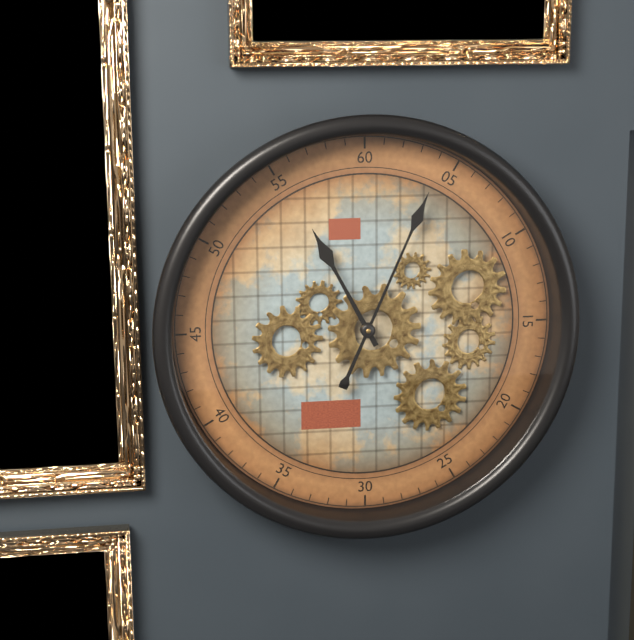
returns 11:04
